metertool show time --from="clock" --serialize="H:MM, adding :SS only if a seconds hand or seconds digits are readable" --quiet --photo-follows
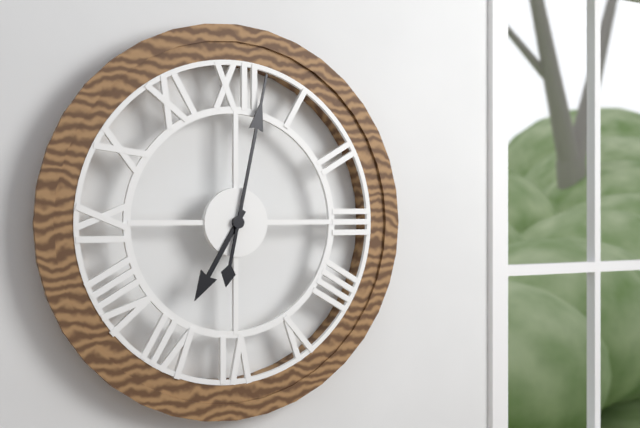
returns 7:02
